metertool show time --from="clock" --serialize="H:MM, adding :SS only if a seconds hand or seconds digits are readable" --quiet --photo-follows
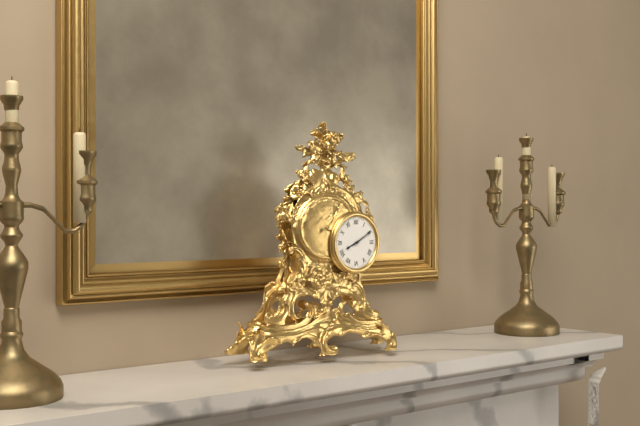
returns 8:10
